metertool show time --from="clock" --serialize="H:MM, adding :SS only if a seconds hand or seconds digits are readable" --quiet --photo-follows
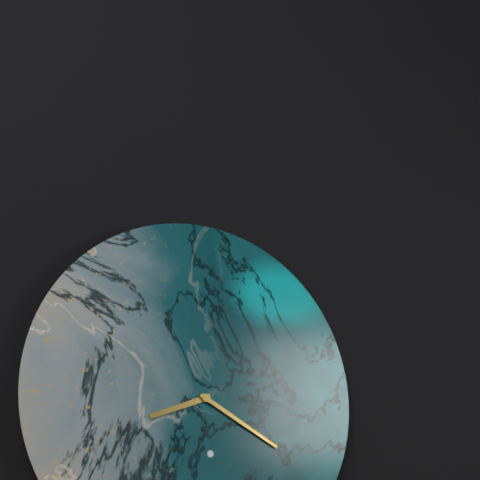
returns 8:20
